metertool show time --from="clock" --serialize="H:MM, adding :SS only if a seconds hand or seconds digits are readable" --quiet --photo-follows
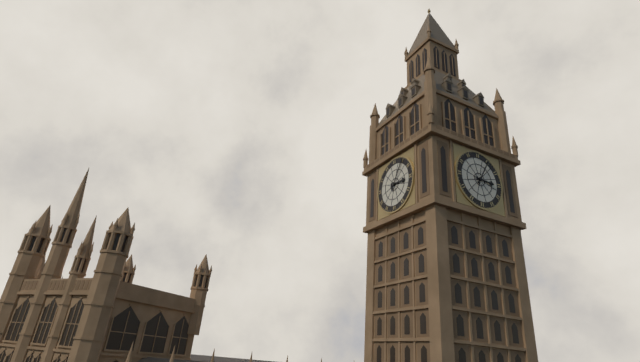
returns 3:05
